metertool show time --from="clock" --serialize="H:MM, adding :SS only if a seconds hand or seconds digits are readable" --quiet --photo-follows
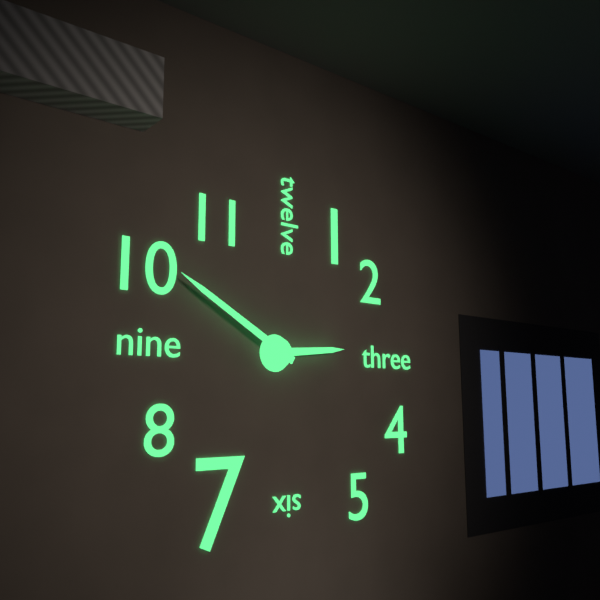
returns 2:50
